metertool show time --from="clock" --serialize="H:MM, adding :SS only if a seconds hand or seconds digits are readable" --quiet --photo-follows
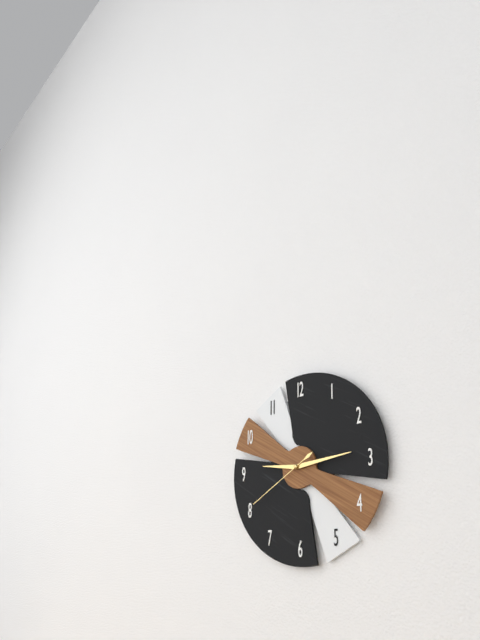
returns 9:14:40
